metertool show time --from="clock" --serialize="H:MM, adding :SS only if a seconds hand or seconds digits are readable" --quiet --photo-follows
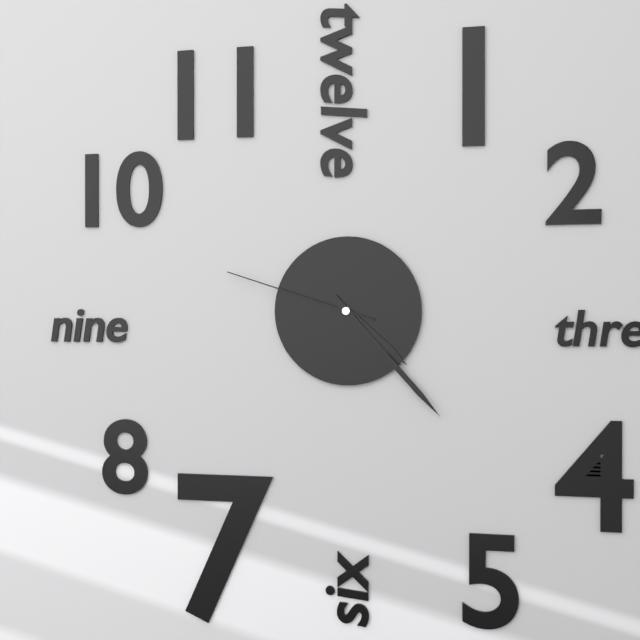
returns 4:23:48
